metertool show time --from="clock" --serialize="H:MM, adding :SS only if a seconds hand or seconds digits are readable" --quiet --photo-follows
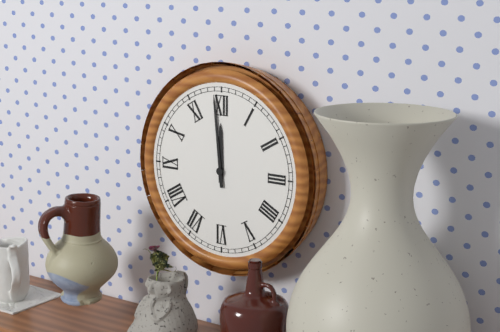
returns 11:59
